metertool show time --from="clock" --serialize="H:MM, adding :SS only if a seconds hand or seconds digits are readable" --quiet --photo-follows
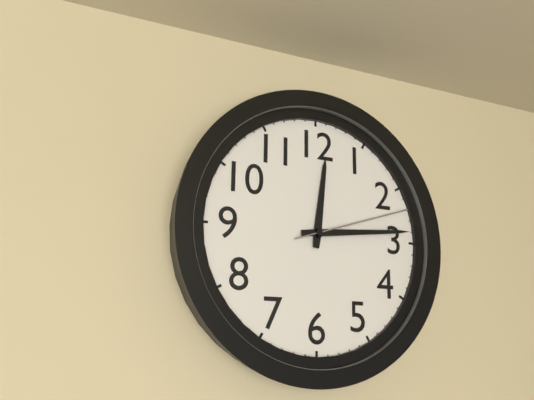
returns 12:14:12
